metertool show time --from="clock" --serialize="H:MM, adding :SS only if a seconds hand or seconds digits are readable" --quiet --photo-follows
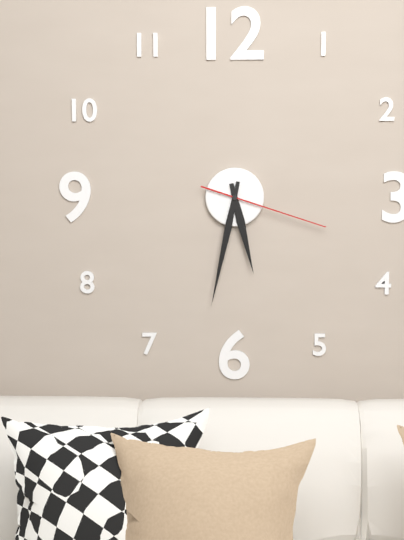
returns 5:32:18
